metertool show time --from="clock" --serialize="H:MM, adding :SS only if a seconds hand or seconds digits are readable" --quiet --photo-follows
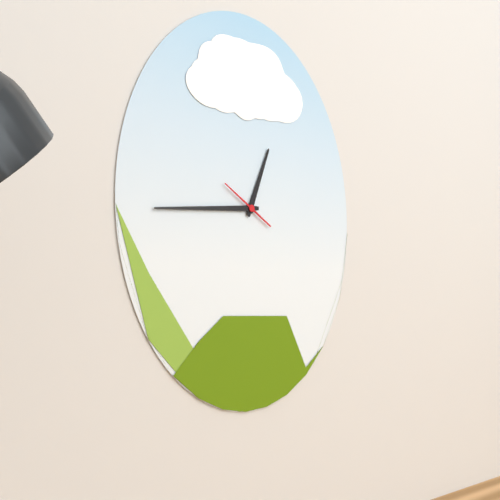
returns 12:44
